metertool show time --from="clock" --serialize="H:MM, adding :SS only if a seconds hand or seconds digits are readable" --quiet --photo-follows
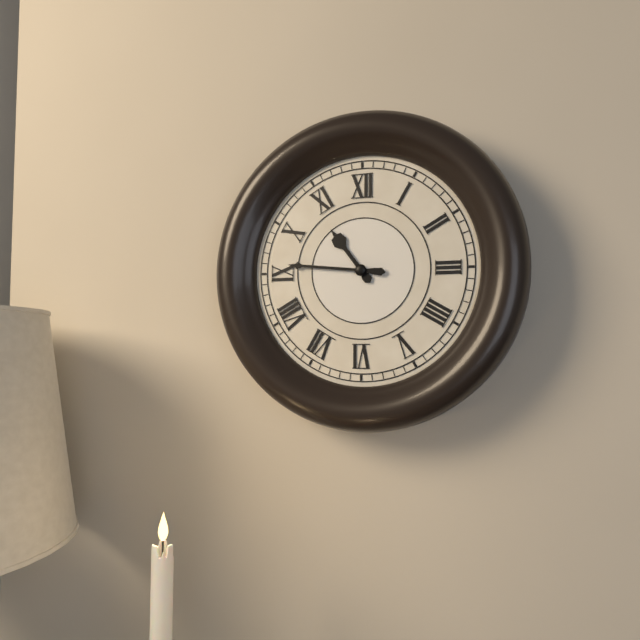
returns 10:46
